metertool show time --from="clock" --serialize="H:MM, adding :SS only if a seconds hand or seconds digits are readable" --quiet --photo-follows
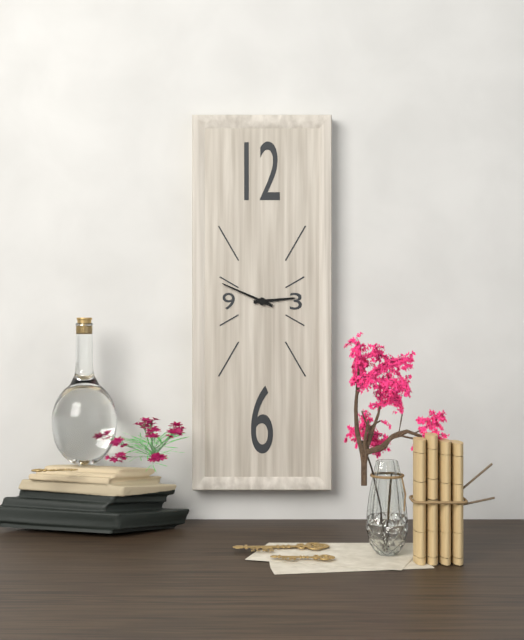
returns 2:49
